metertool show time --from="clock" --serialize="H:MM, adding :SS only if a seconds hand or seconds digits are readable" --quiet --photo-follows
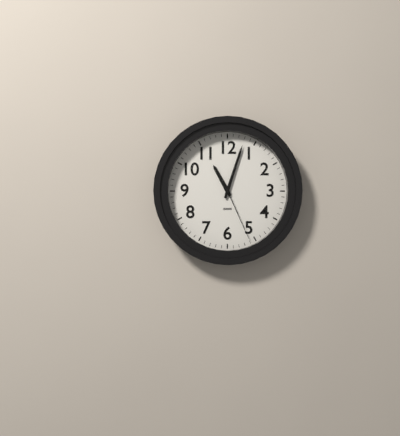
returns 11:03:26
